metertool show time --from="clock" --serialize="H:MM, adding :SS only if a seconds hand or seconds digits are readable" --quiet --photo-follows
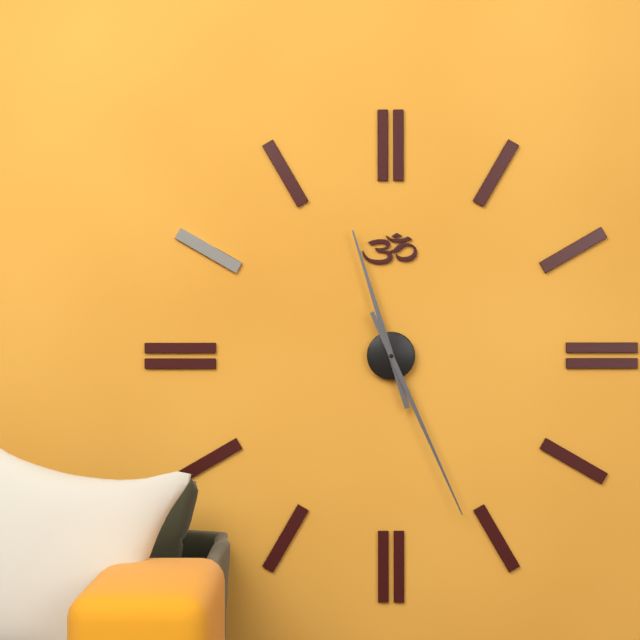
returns 11:26
